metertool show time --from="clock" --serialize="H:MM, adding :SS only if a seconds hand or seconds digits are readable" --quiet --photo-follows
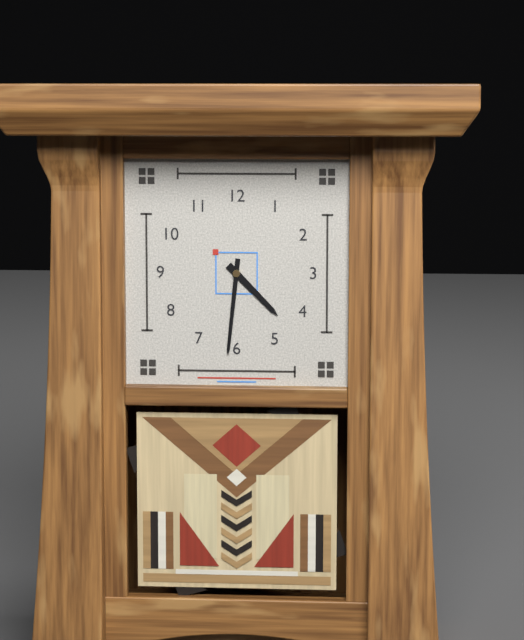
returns 4:31
